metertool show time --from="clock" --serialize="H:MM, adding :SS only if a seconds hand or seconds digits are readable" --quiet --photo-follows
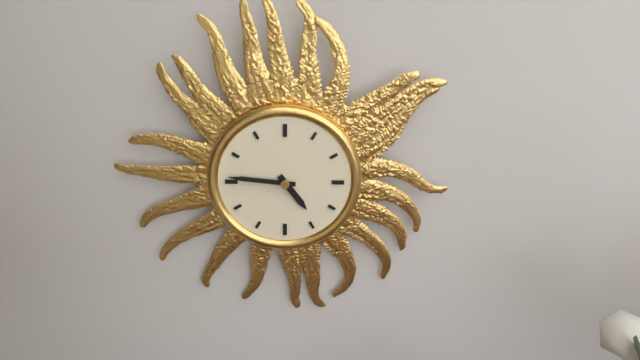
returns 4:46
